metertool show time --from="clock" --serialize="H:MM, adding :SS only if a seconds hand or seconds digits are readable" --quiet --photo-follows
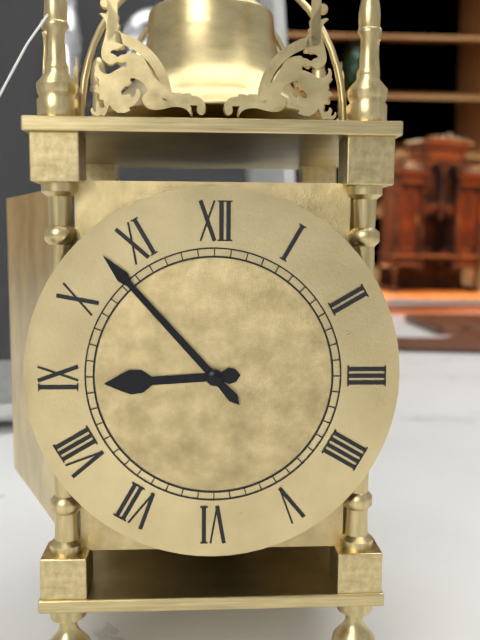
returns 8:53
